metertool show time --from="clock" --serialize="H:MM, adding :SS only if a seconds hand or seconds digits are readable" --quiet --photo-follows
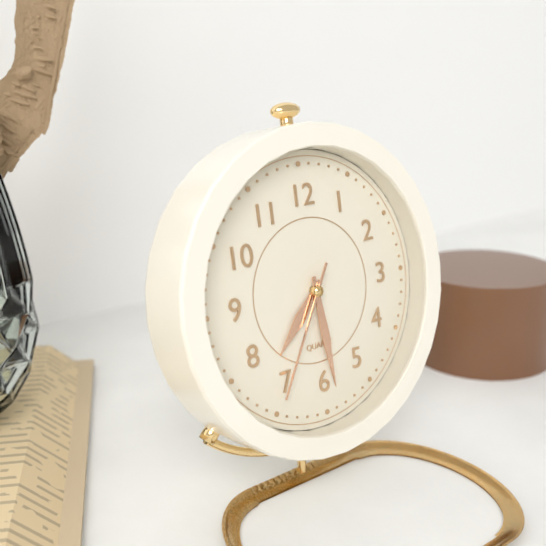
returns 7:29:35
